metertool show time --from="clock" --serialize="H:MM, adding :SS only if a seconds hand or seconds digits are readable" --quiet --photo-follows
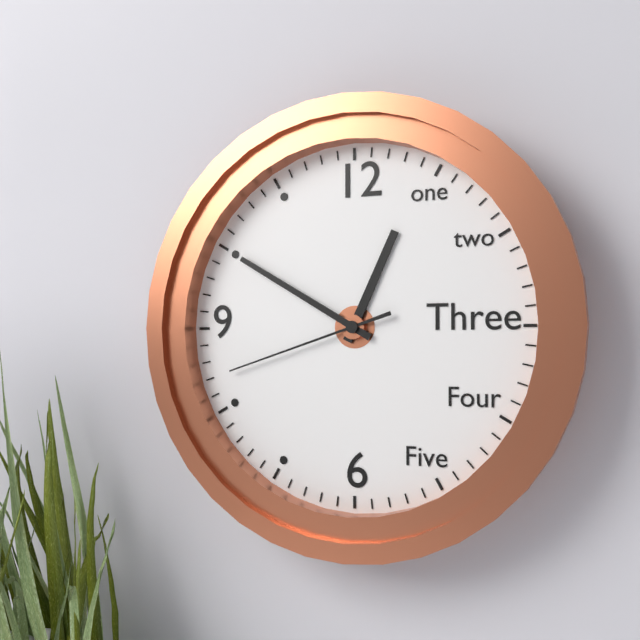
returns 12:50:42
